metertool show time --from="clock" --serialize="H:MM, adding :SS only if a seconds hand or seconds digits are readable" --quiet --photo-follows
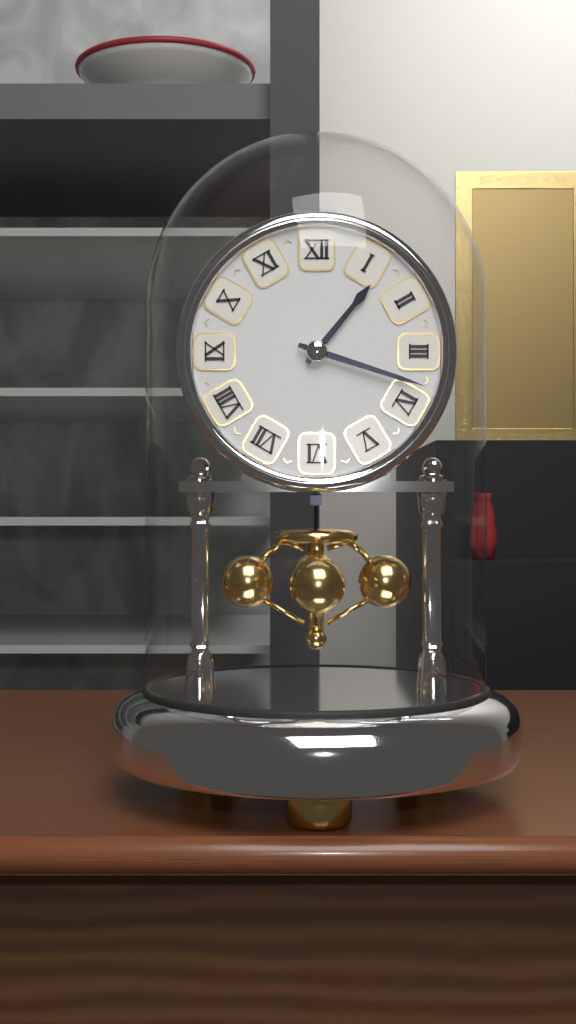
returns 1:18
